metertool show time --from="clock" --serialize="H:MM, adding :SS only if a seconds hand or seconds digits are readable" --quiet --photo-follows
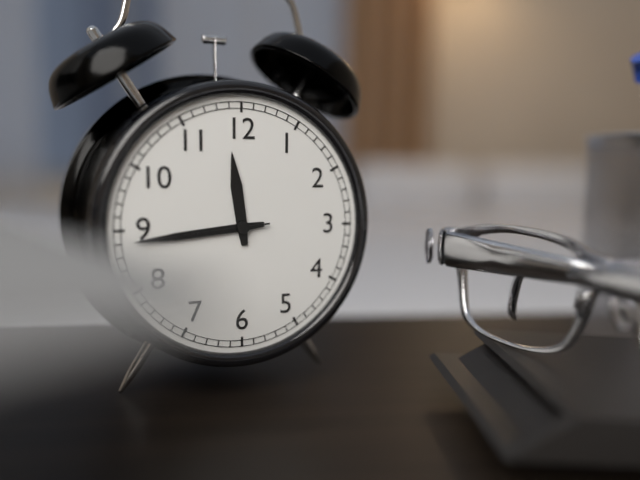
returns 11:44:44
